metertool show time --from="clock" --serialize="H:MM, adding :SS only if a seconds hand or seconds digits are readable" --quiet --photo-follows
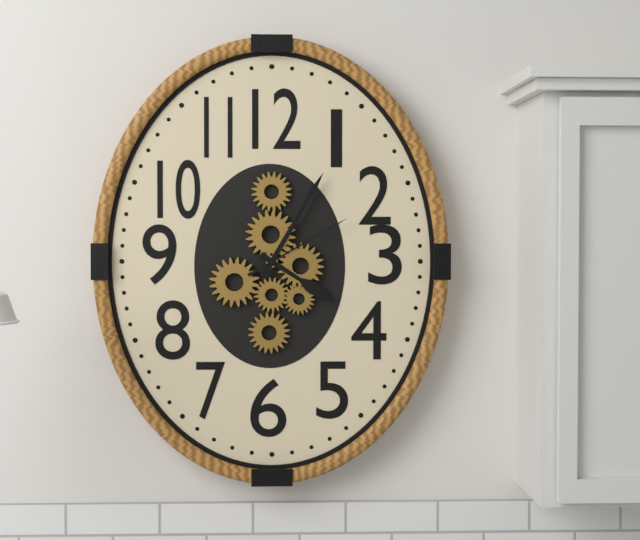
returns 4:05:10
